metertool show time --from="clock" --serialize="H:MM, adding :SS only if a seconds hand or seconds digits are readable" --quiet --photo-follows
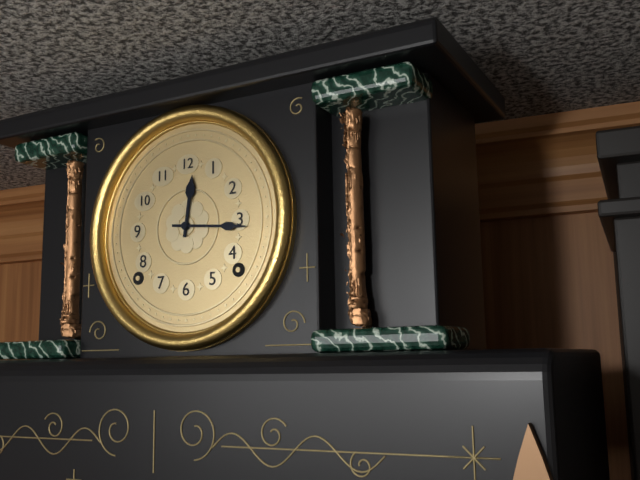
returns 12:16
